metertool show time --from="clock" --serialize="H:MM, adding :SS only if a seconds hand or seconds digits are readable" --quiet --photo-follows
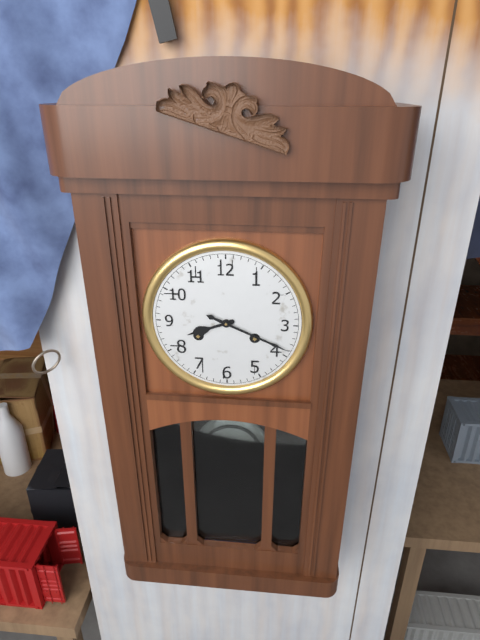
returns 8:19
